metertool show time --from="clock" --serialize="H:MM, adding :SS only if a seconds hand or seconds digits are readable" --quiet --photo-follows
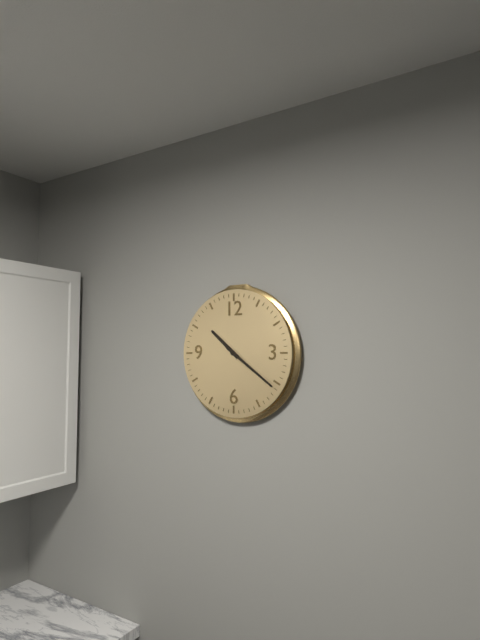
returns 10:21
